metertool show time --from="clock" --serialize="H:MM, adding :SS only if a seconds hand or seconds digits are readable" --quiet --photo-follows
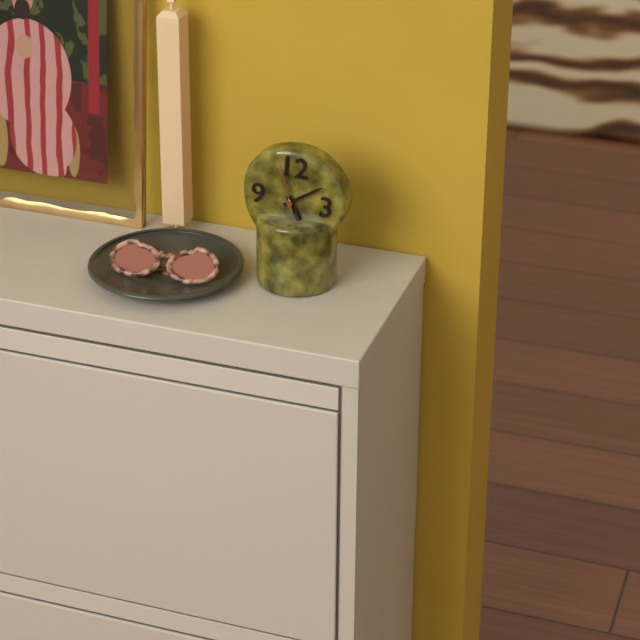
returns 5:09:57
